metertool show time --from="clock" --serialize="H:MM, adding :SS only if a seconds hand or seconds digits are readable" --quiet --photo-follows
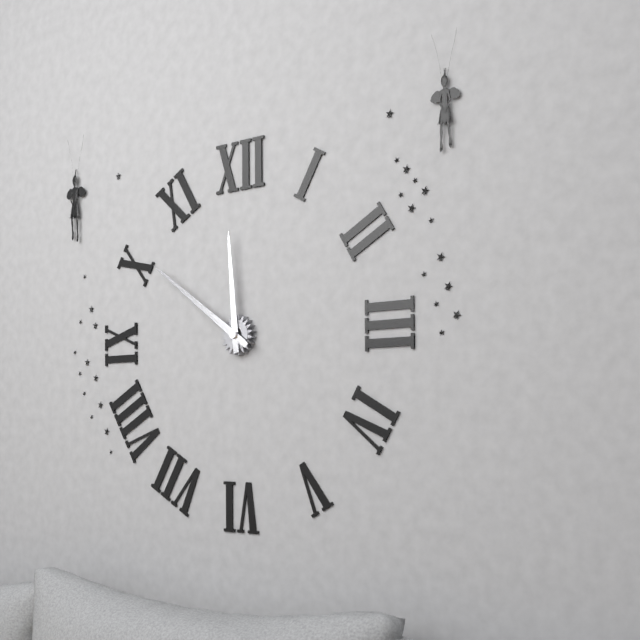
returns 11:51
